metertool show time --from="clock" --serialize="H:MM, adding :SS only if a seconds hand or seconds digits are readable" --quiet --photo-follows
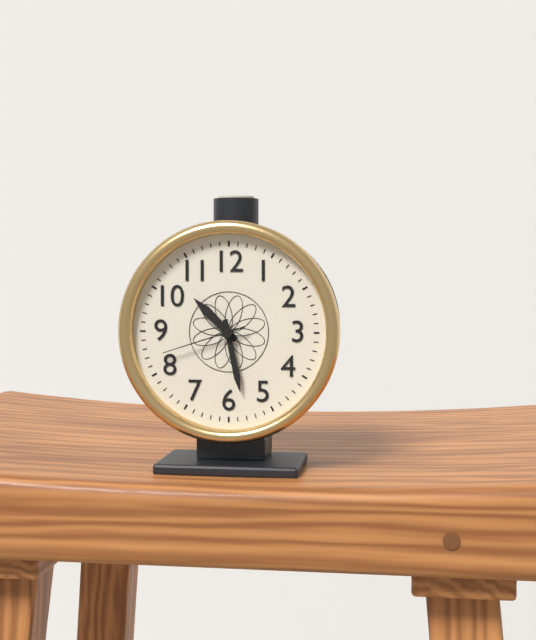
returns 10:28:42
